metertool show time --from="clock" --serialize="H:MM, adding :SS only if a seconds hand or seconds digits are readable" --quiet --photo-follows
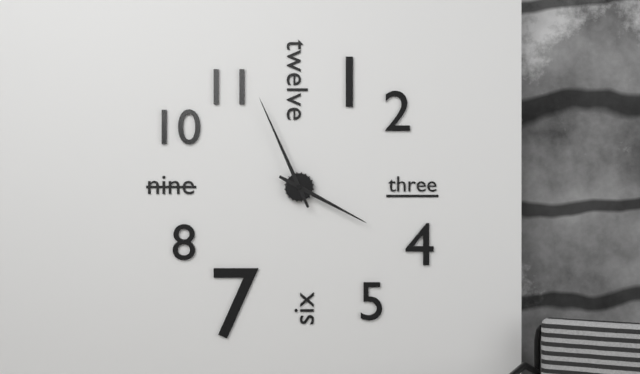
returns 3:56
